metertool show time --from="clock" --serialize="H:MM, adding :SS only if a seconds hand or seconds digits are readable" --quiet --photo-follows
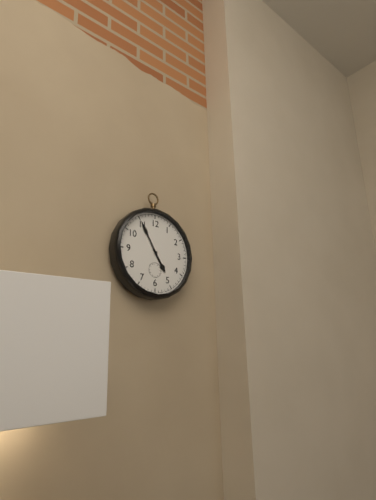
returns 4:55
